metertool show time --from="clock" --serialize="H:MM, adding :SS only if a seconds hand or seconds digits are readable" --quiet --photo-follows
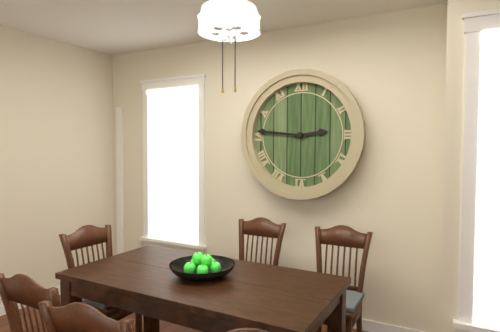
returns 2:46
